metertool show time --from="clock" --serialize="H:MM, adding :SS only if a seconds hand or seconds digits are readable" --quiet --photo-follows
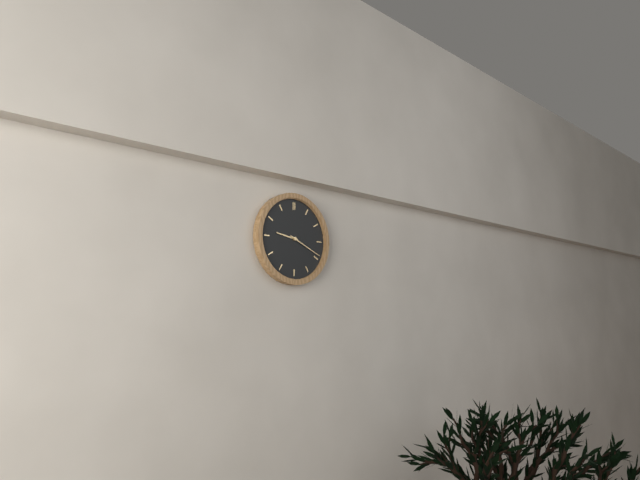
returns 9:19
